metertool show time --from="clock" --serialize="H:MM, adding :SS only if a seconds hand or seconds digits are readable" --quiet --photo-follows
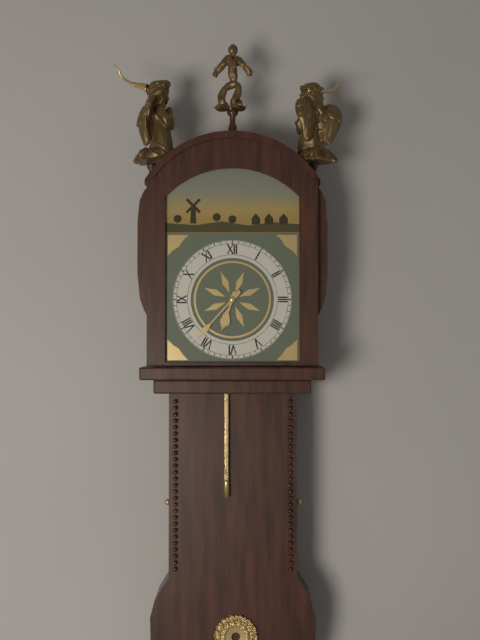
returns 6:37
